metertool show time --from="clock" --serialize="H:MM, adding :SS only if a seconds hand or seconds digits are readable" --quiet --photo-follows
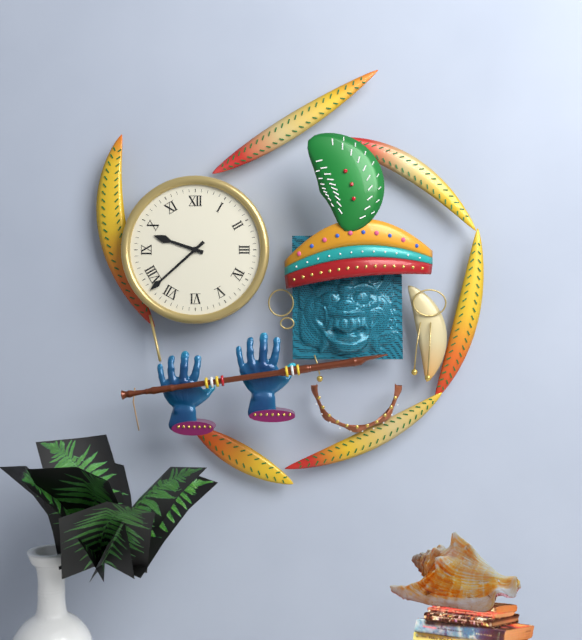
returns 9:38
